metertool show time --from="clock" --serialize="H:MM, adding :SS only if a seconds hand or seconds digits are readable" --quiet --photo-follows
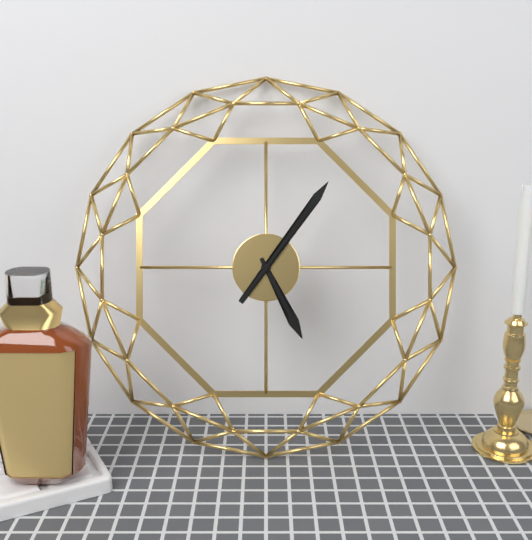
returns 5:06
